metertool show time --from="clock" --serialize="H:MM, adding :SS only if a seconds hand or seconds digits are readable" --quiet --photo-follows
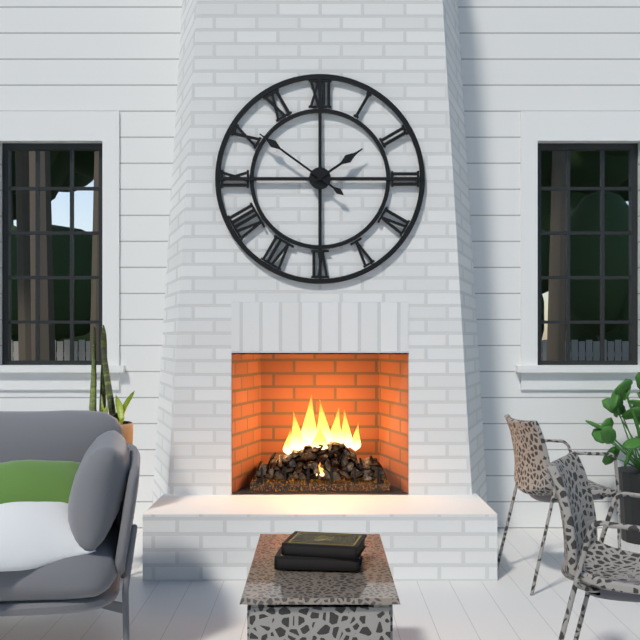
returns 1:51
